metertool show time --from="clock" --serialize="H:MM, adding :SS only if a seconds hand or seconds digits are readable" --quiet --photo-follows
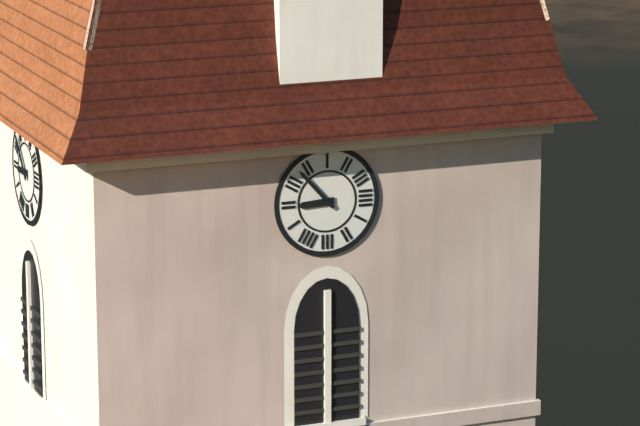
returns 8:53
